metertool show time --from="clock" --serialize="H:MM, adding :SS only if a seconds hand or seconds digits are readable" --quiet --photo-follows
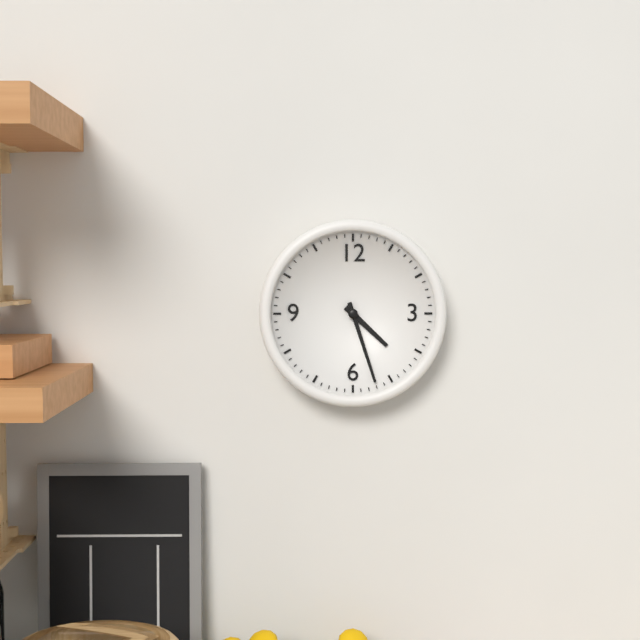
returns 4:27
